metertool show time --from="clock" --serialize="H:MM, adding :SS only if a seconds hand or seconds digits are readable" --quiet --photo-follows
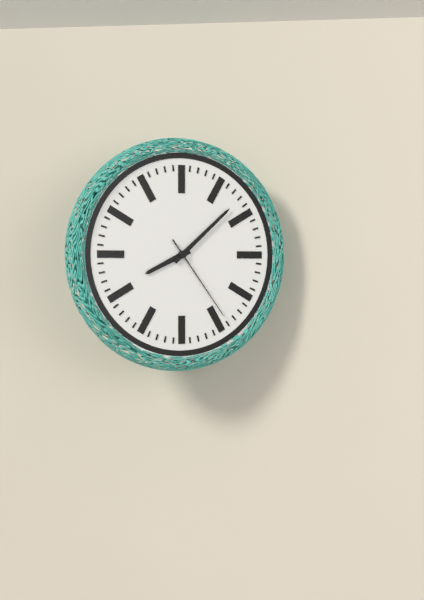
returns 8:08:24
